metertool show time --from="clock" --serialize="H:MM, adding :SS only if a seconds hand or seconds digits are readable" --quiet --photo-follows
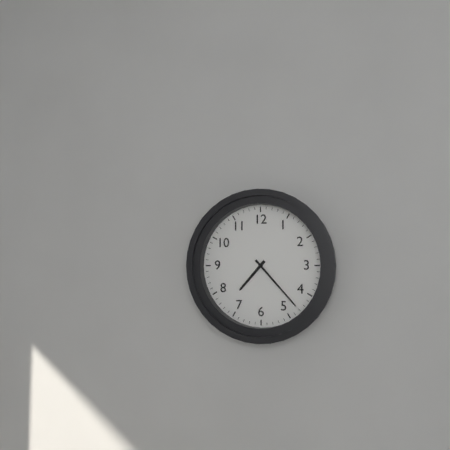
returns 7:23
